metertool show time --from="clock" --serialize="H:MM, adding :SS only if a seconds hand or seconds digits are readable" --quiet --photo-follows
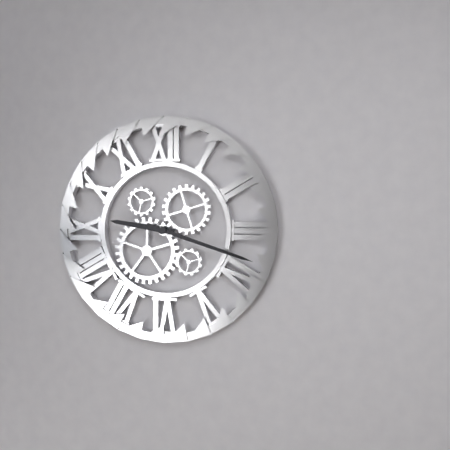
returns 9:18
